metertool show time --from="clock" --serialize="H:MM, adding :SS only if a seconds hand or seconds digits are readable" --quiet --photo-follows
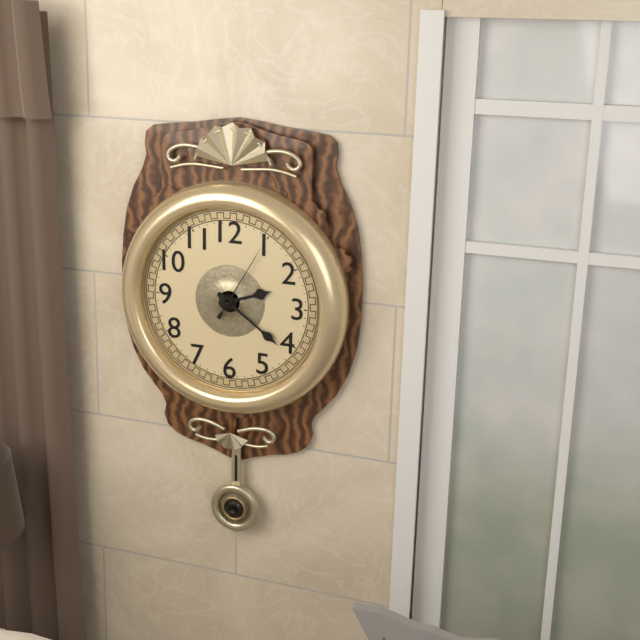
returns 2:21:05
